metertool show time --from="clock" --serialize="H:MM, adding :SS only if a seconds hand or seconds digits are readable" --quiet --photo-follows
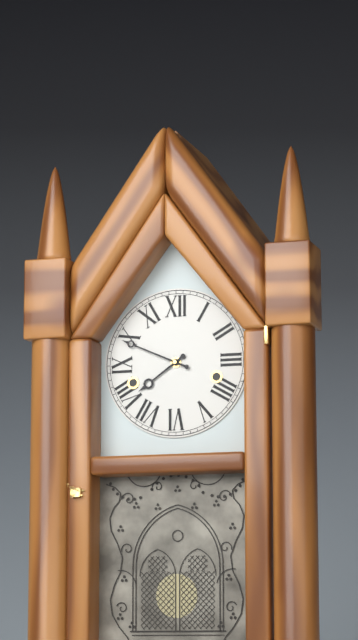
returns 7:49
